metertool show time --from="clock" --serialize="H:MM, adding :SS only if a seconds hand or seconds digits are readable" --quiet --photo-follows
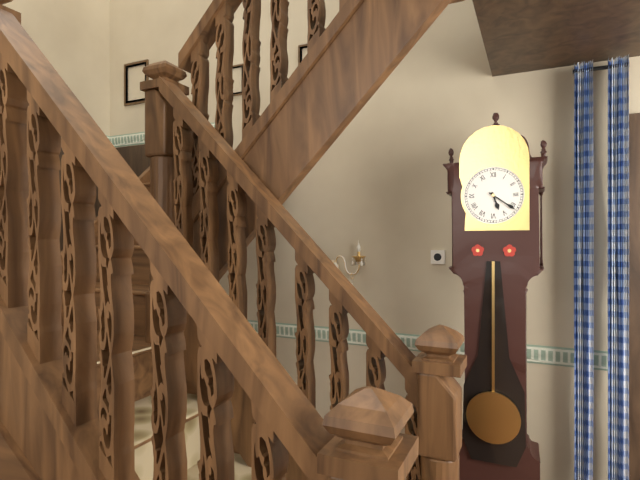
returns 5:21
